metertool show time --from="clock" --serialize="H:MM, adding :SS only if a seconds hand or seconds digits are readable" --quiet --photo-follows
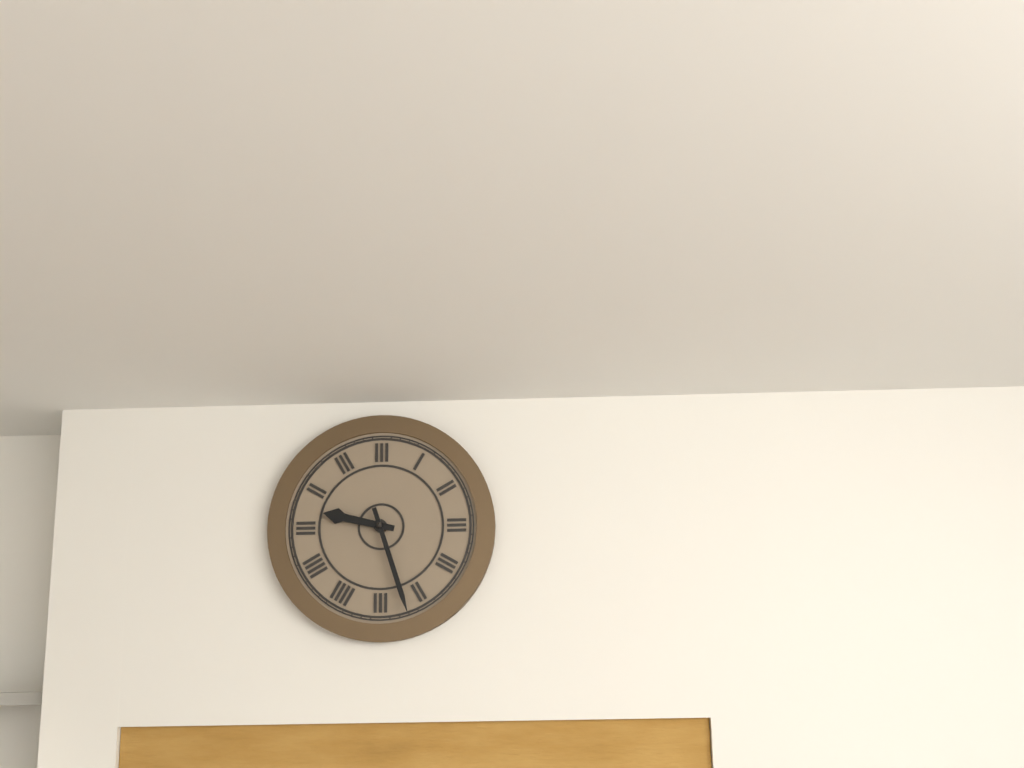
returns 9:27
